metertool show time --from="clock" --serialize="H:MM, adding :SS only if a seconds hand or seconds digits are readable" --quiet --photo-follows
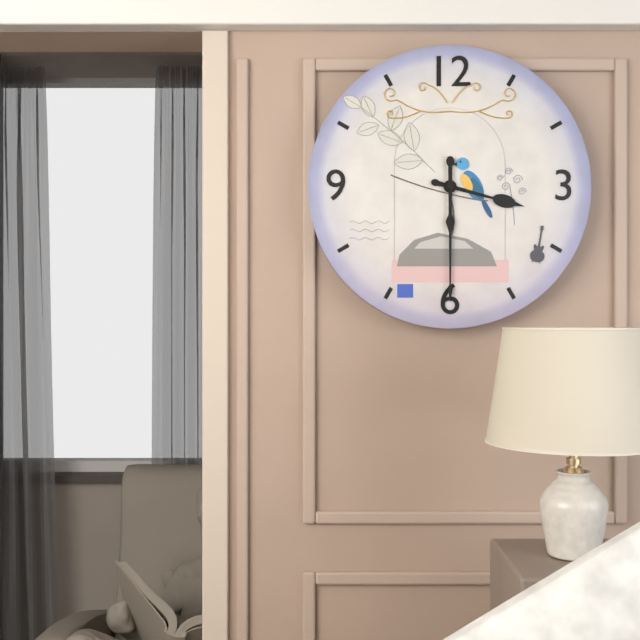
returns 3:30
